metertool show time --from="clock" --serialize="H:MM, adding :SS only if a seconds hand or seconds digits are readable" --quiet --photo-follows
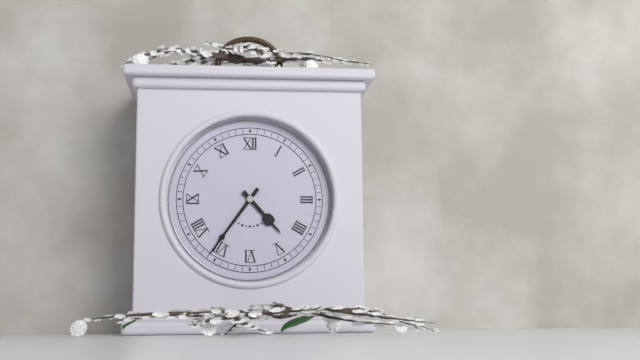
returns 4:36
